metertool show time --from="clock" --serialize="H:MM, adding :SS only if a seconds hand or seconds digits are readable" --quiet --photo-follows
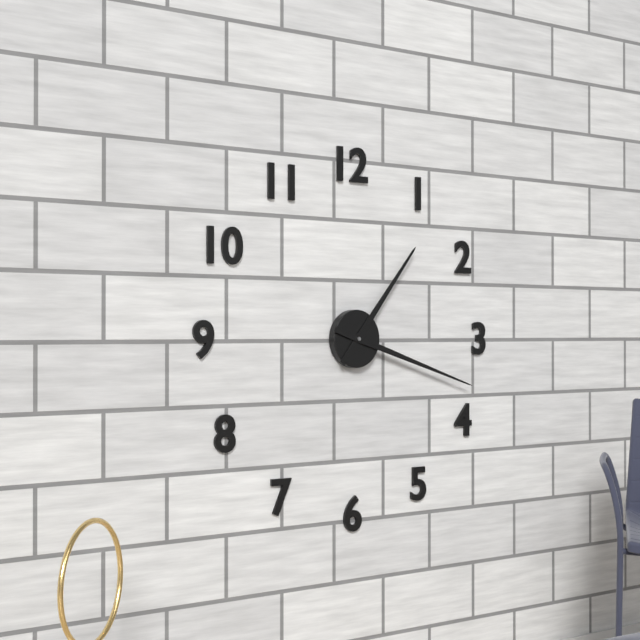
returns 1:18
